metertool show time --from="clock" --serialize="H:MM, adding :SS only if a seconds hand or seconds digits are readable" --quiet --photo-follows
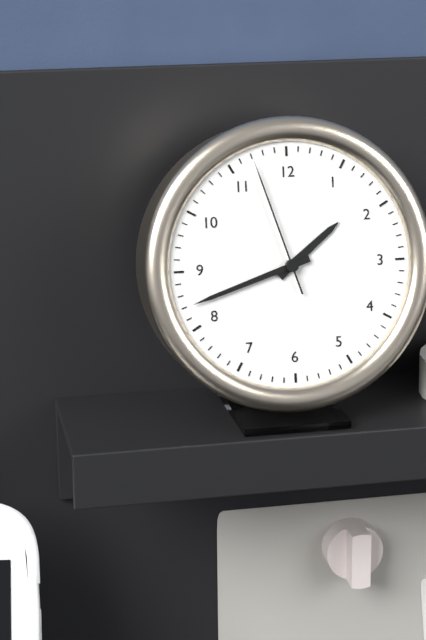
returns 1:42:57
